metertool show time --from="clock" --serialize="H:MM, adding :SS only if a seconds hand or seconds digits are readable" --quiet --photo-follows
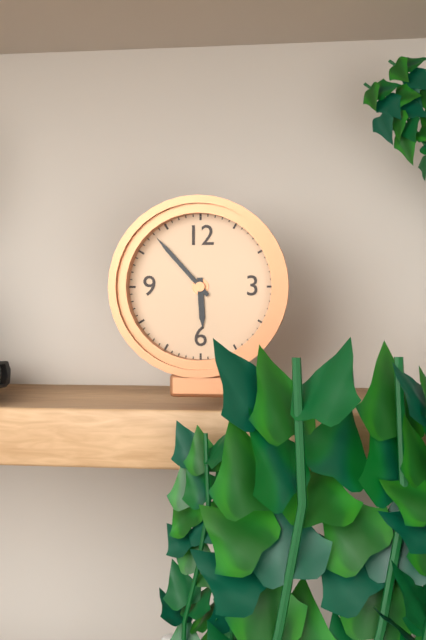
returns 5:53
